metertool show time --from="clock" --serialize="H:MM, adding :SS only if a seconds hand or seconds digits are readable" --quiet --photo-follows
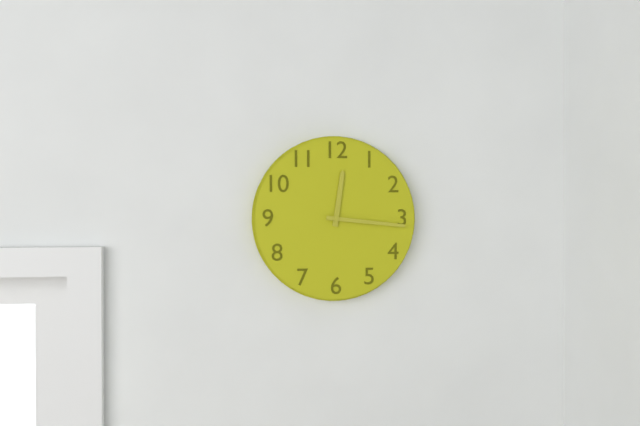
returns 12:16
